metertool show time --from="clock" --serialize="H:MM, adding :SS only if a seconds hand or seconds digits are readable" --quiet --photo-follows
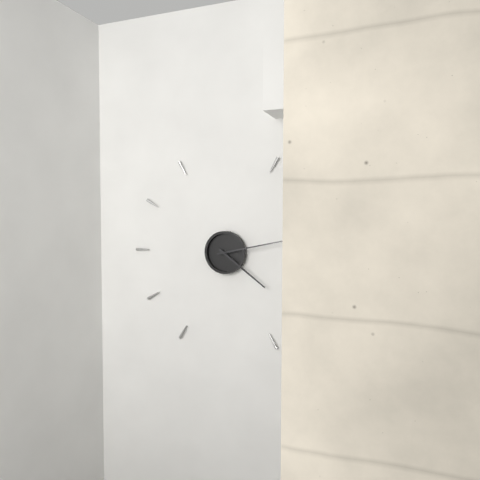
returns 4:13
